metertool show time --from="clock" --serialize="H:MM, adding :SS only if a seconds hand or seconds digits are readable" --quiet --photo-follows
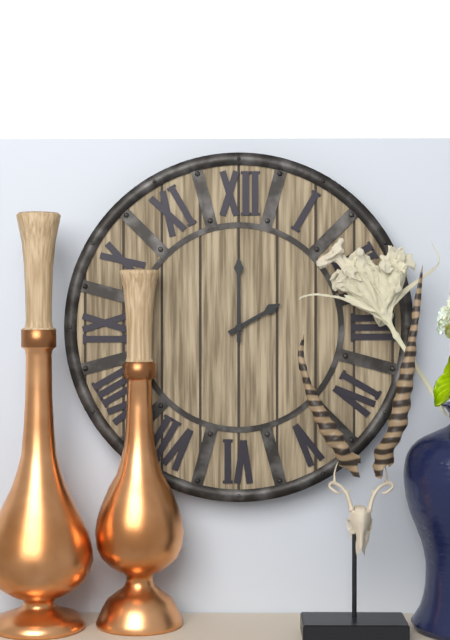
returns 2:00
